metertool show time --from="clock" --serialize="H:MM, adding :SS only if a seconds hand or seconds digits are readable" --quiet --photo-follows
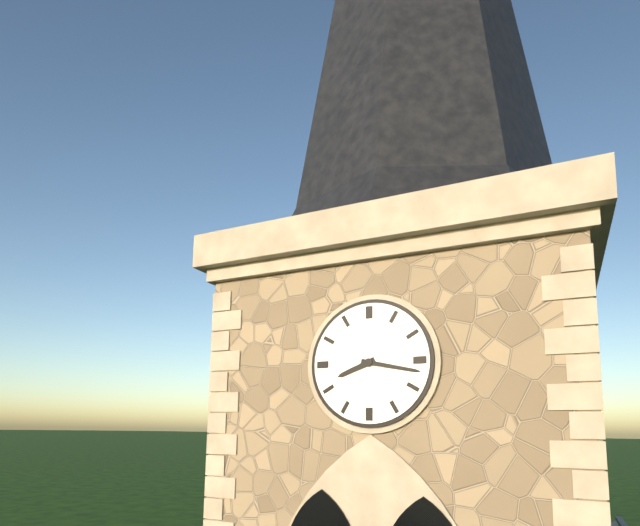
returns 8:17
